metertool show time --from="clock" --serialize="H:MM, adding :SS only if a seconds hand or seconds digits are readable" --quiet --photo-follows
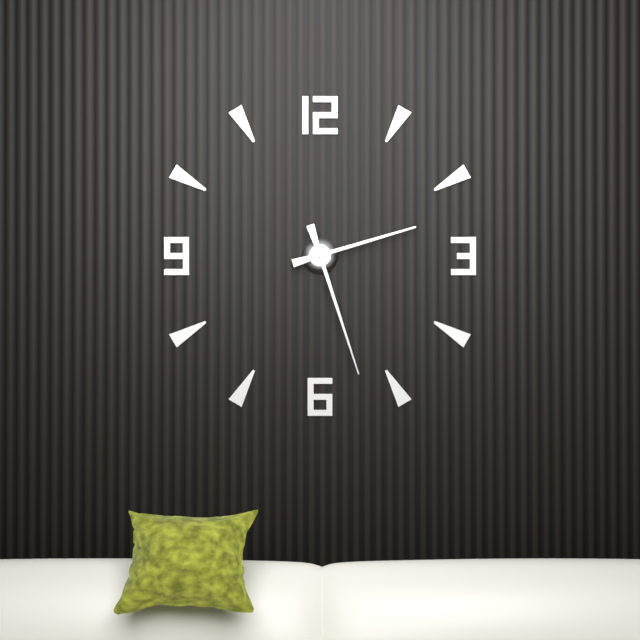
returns 2:27
